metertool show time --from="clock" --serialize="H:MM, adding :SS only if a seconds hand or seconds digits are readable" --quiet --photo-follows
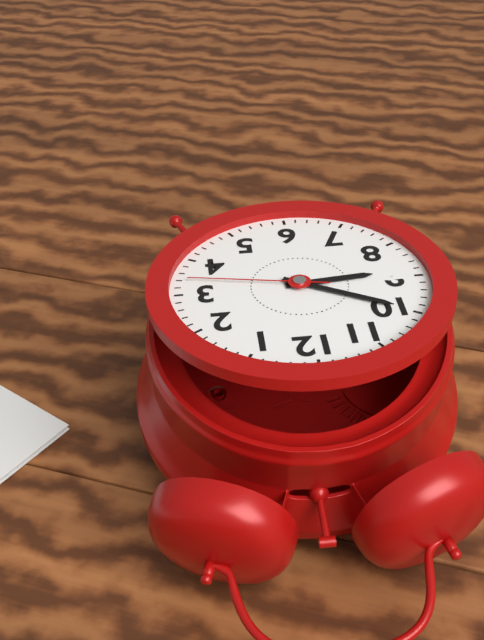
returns 8:50:17
